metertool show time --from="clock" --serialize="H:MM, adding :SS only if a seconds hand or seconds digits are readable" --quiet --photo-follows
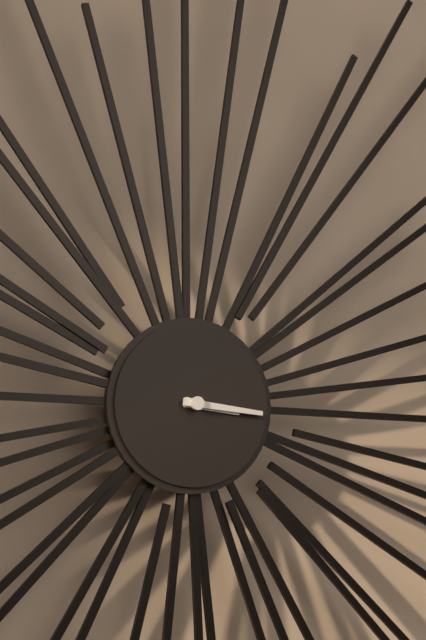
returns 3:16
